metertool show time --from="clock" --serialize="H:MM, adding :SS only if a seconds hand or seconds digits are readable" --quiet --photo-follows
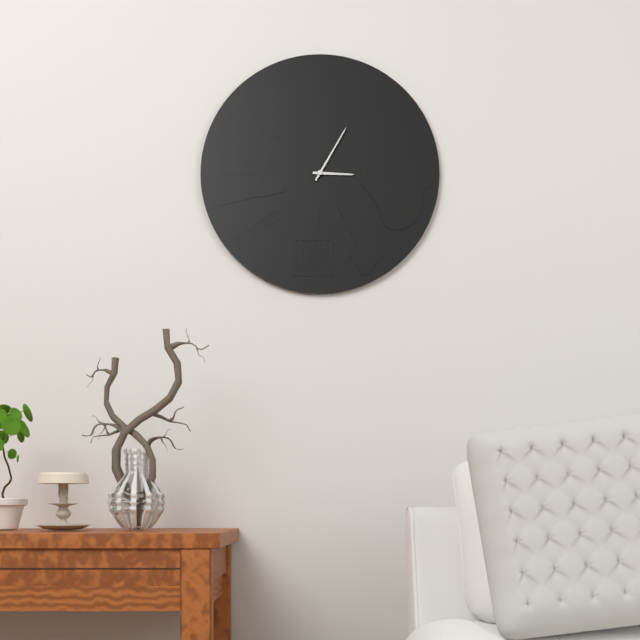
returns 3:05
